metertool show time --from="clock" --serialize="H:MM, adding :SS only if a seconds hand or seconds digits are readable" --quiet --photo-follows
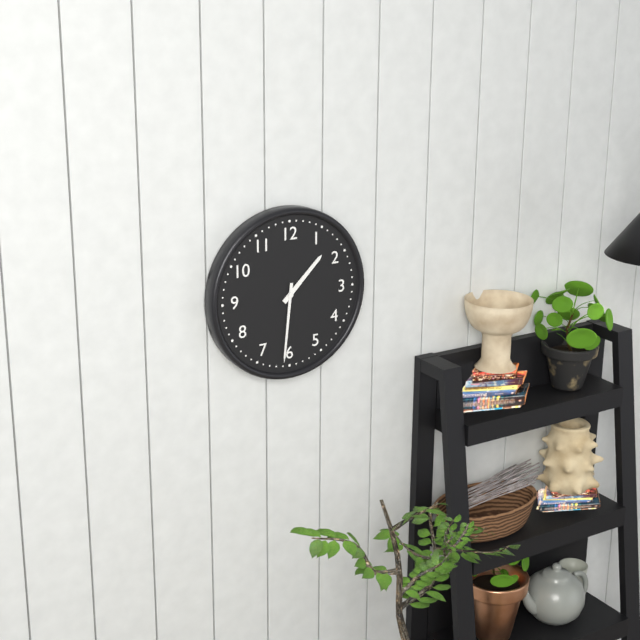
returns 1:31
